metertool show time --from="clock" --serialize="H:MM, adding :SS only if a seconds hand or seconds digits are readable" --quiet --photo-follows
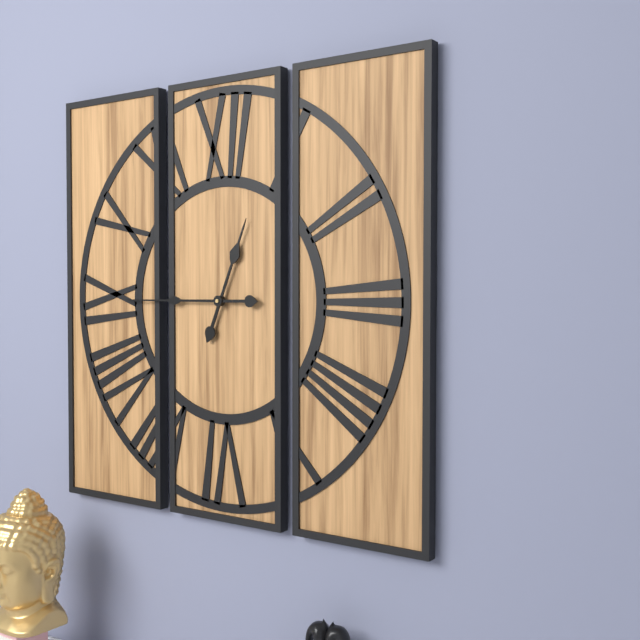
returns 12:45
